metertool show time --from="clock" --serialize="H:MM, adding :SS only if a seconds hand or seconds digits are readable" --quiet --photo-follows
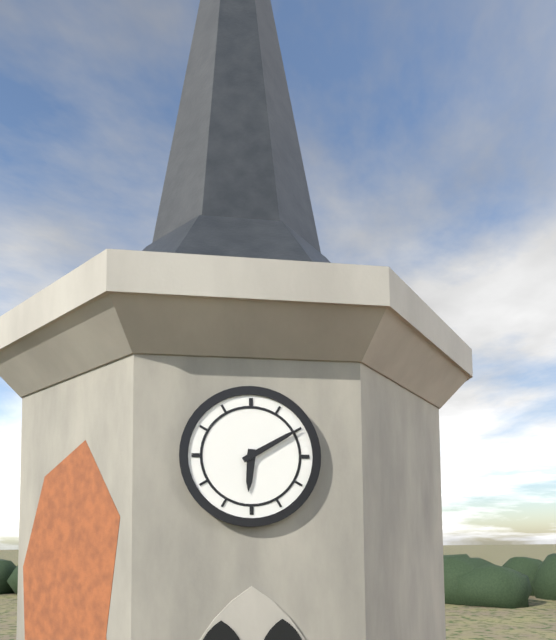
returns 6:10
